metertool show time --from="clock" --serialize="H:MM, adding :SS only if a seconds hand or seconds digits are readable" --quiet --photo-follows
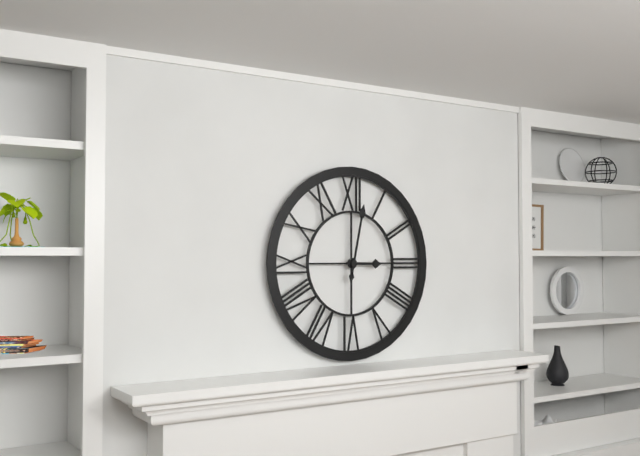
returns 3:02
